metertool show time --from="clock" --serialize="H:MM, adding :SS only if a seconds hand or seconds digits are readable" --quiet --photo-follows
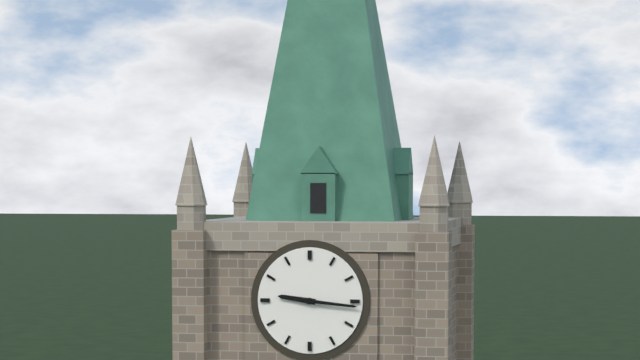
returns 9:16
